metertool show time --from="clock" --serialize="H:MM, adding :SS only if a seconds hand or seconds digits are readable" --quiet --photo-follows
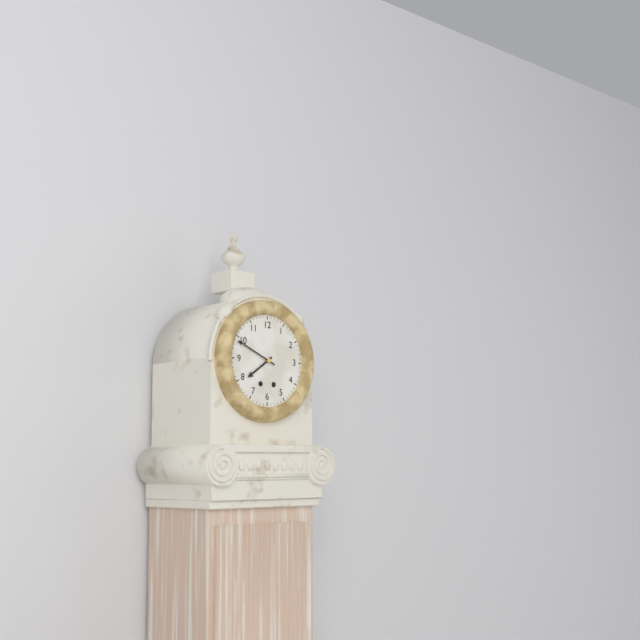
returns 7:49
